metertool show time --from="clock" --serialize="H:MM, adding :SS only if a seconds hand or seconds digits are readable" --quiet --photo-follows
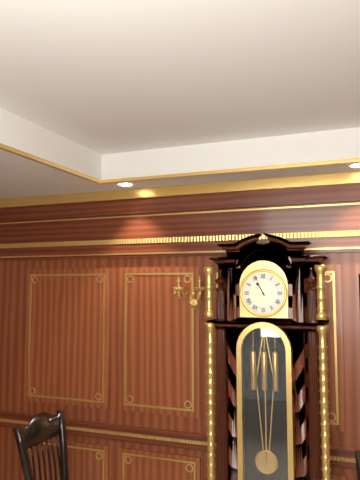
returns 10:56
